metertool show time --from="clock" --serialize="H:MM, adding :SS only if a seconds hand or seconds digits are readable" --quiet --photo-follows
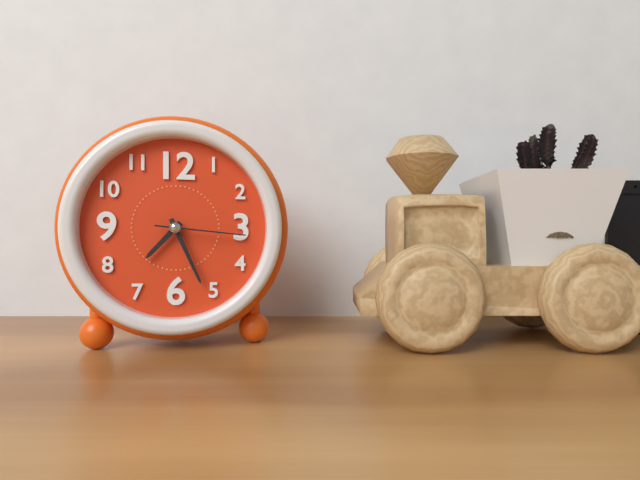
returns 7:26:16
